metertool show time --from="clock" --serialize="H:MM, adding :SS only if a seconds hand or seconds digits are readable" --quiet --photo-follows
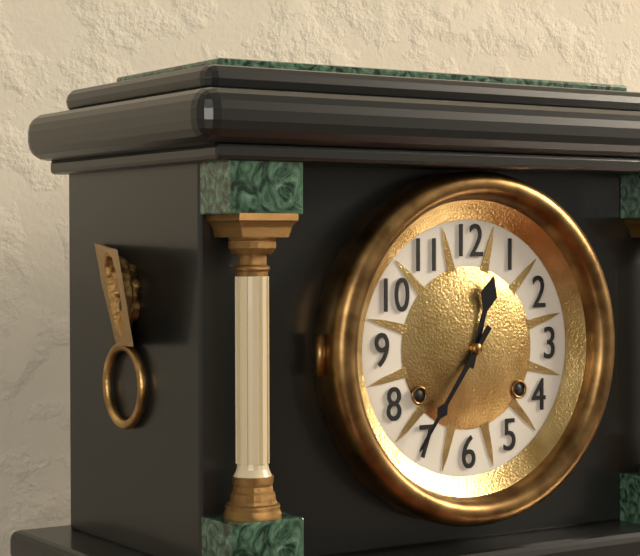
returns 12:36
